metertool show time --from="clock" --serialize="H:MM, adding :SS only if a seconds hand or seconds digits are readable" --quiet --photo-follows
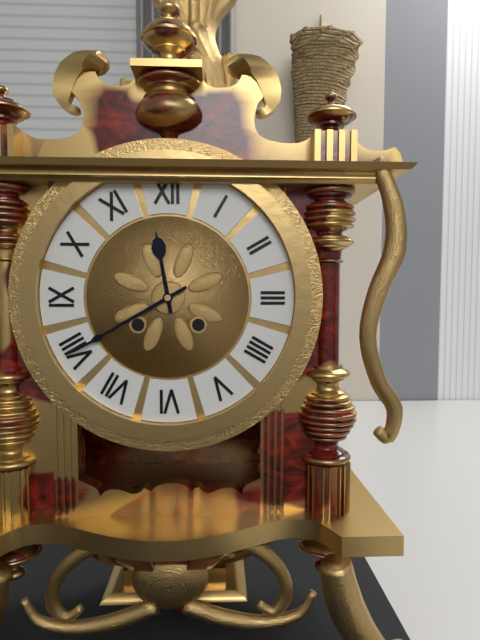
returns 11:40
